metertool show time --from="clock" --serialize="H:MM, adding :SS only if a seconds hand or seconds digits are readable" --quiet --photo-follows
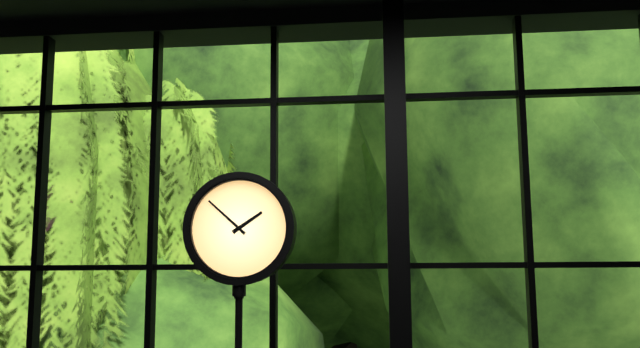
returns 1:52
